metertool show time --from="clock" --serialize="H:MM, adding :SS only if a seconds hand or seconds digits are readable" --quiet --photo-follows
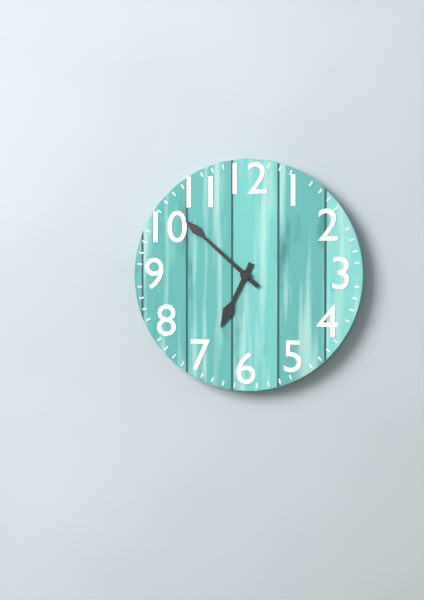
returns 6:52
